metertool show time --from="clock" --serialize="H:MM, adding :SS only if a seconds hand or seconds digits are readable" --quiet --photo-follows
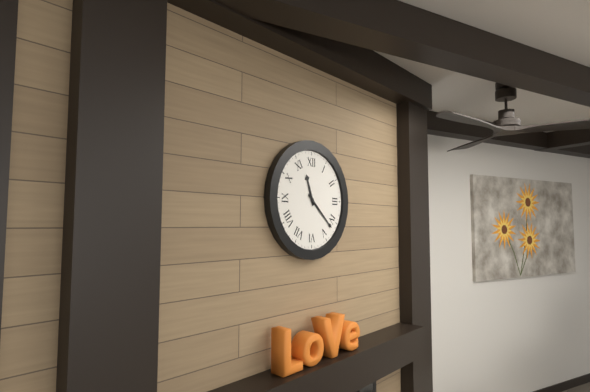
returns 11:22
